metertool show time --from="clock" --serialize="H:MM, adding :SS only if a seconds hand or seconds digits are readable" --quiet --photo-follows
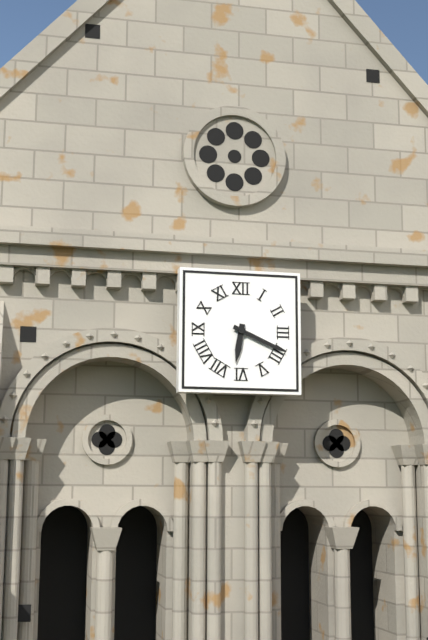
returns 6:19
